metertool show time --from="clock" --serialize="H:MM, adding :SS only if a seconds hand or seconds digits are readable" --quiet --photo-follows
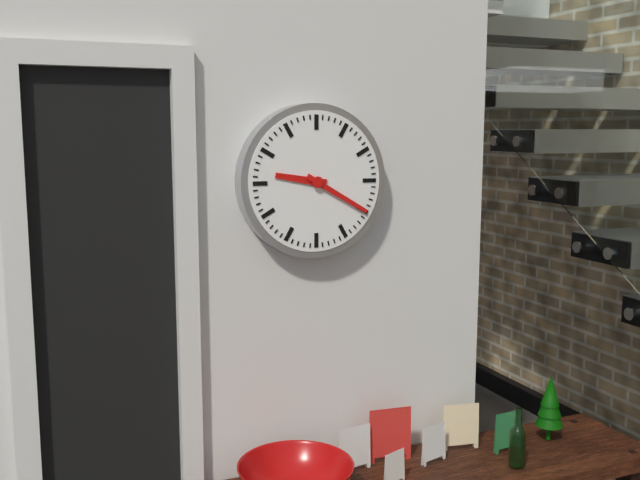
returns 9:20
